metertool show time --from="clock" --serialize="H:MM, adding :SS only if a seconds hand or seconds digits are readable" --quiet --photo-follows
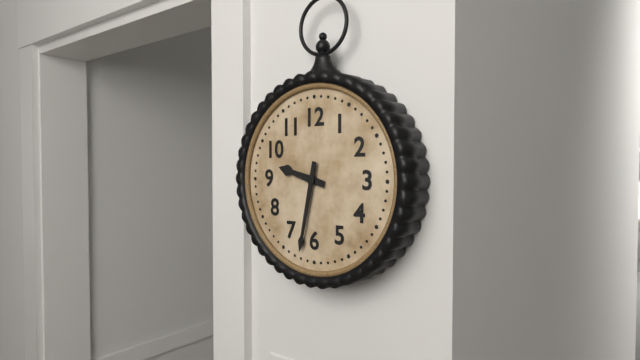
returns 9:32
